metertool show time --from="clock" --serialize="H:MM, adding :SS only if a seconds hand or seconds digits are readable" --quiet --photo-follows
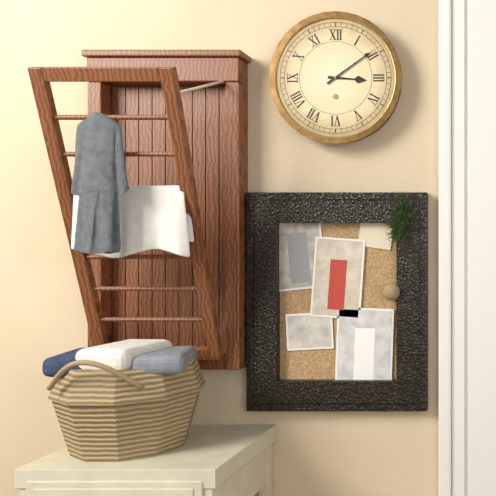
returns 3:09
